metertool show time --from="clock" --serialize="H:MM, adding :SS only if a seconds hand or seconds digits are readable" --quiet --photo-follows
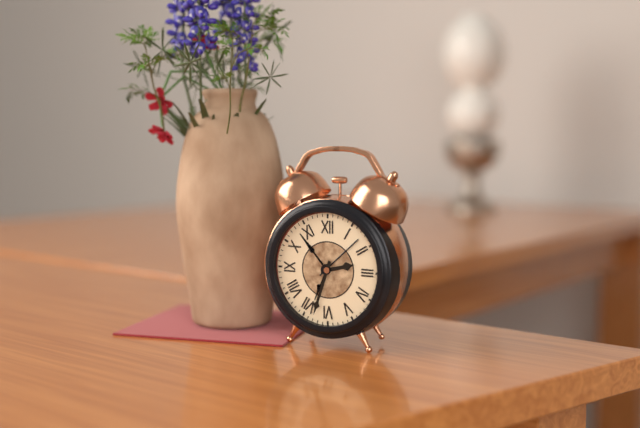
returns 2:33
